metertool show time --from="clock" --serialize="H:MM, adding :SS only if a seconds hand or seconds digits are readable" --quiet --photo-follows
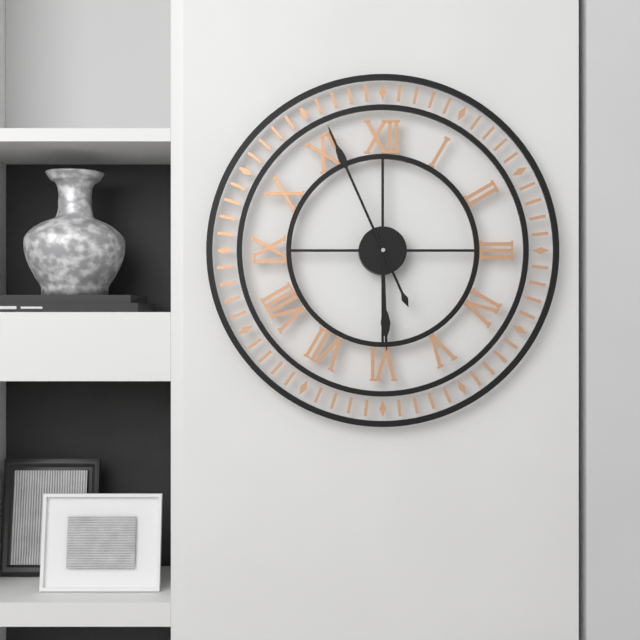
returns 5:56
